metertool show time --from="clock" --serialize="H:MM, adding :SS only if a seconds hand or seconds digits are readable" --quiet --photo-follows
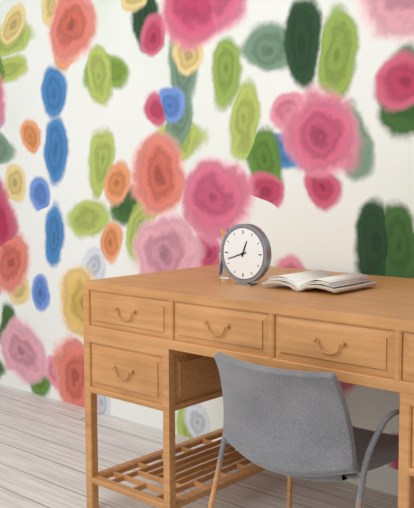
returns 12:42
